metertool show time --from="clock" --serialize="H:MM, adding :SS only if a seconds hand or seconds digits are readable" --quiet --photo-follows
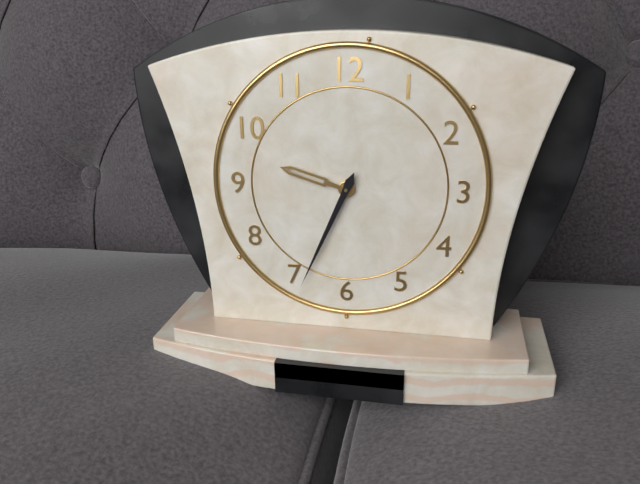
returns 9:34
